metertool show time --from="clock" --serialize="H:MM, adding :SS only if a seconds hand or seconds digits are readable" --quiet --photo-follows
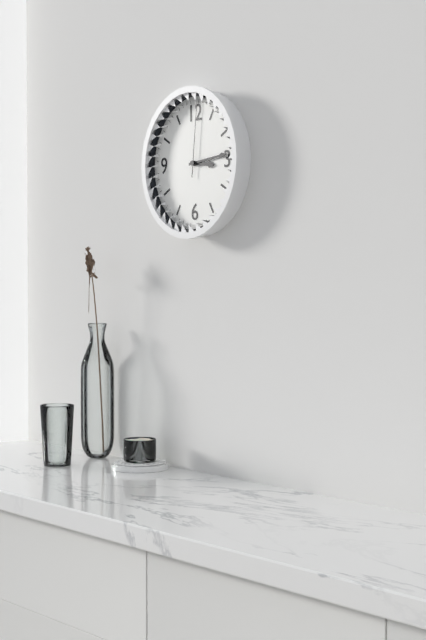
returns 3:14:01
